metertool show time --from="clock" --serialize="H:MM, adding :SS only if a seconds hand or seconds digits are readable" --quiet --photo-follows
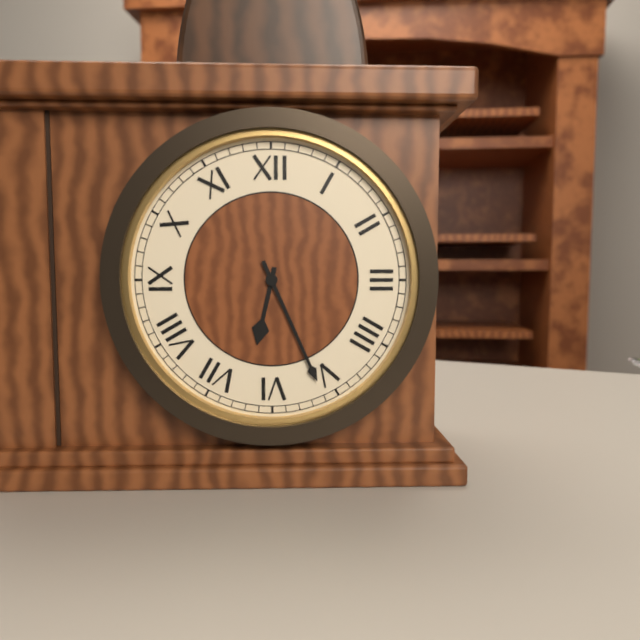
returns 6:26
